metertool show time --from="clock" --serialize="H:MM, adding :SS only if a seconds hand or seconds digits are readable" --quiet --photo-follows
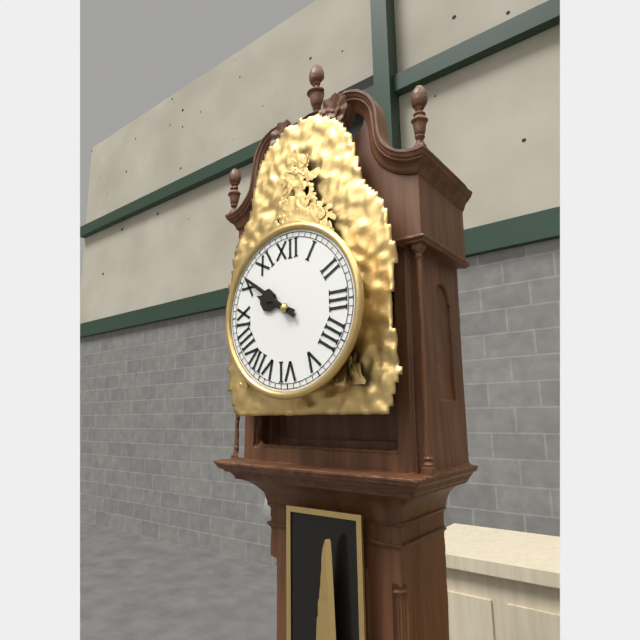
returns 9:51
